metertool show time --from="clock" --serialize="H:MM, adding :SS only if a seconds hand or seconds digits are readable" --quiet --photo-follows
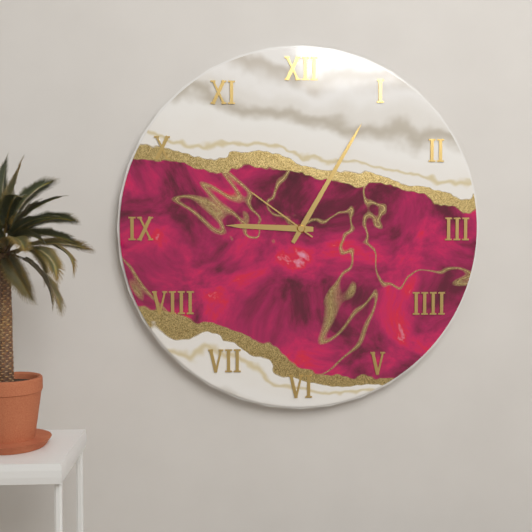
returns 9:05:51
